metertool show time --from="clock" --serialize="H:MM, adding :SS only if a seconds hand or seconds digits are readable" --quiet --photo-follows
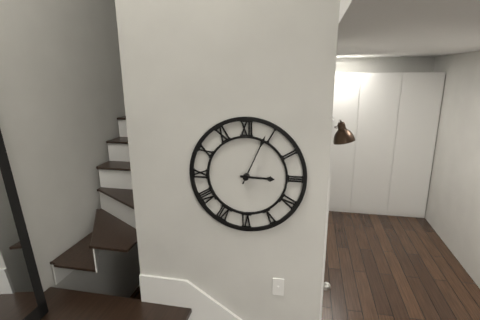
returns 3:04
